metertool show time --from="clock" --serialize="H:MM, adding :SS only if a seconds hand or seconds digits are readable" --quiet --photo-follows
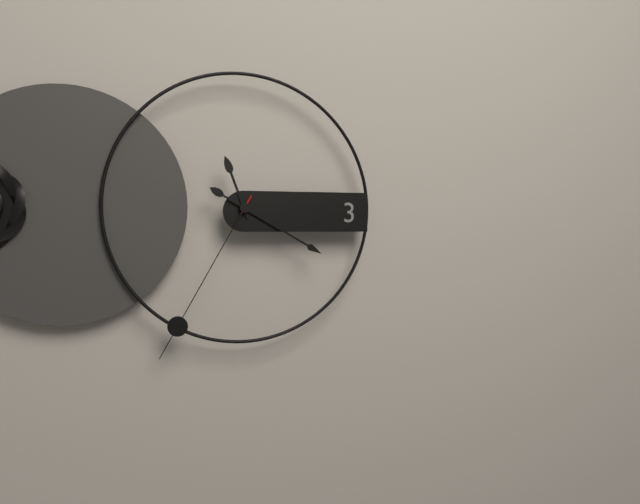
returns 11:20:35
